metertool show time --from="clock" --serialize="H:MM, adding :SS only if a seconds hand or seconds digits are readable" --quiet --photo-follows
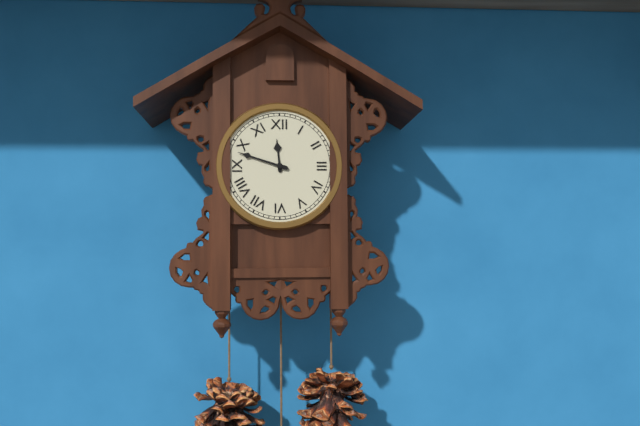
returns 11:48
